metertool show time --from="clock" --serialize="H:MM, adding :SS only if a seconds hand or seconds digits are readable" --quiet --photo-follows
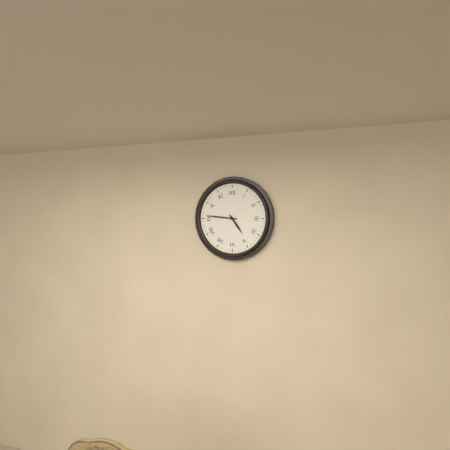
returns 4:46
